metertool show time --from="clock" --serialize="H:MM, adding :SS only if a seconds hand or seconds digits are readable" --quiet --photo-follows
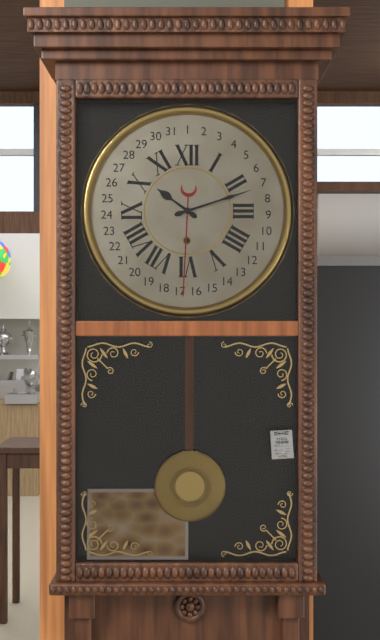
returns 10:12
